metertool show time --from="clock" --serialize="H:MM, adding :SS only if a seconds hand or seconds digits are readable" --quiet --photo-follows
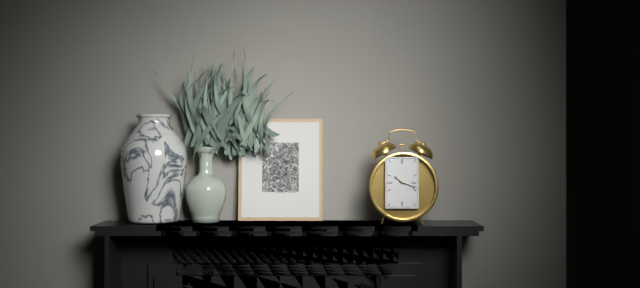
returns 10:18
